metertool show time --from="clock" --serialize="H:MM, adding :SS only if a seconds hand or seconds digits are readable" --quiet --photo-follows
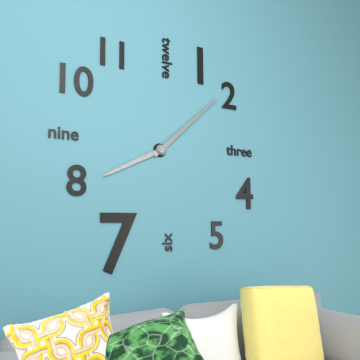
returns 8:08
